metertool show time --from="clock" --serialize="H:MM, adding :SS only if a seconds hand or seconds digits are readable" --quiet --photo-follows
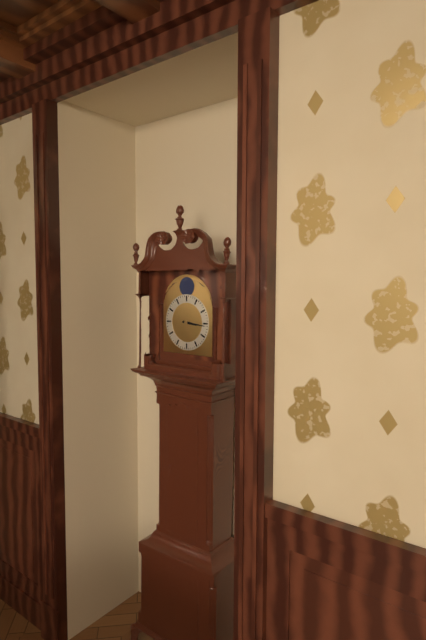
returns 3:16
